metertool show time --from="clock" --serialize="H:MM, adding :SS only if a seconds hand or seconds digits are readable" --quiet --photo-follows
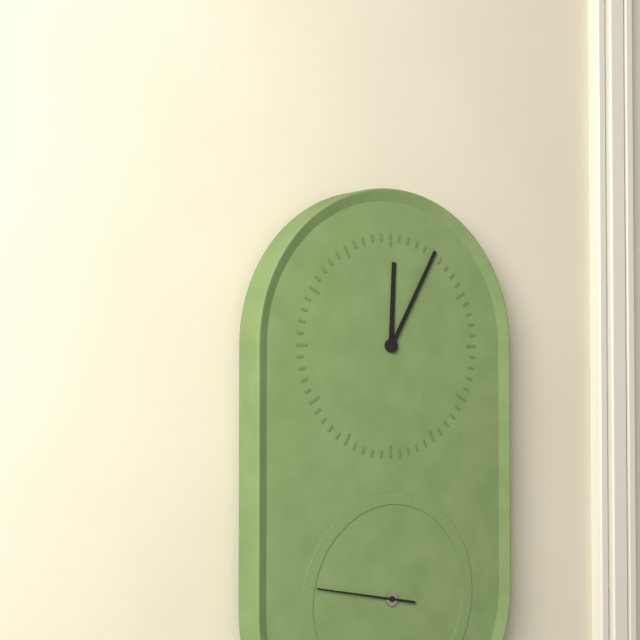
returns 12:05:47
